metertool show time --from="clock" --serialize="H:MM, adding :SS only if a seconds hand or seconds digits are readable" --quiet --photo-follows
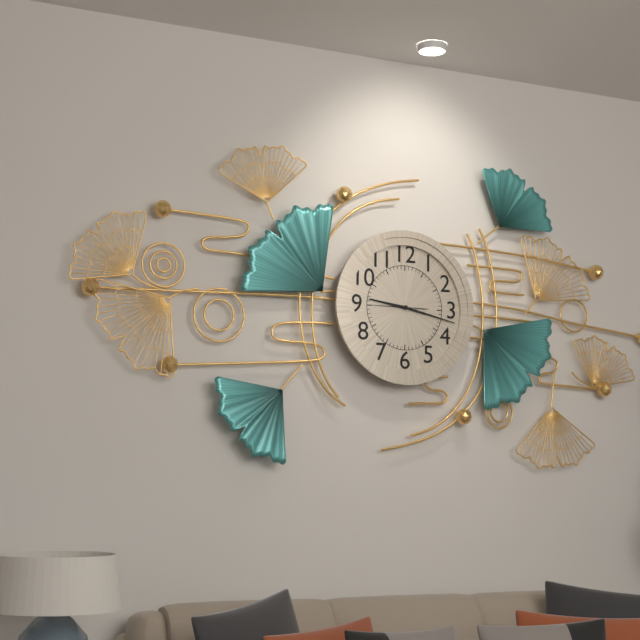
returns 9:17
